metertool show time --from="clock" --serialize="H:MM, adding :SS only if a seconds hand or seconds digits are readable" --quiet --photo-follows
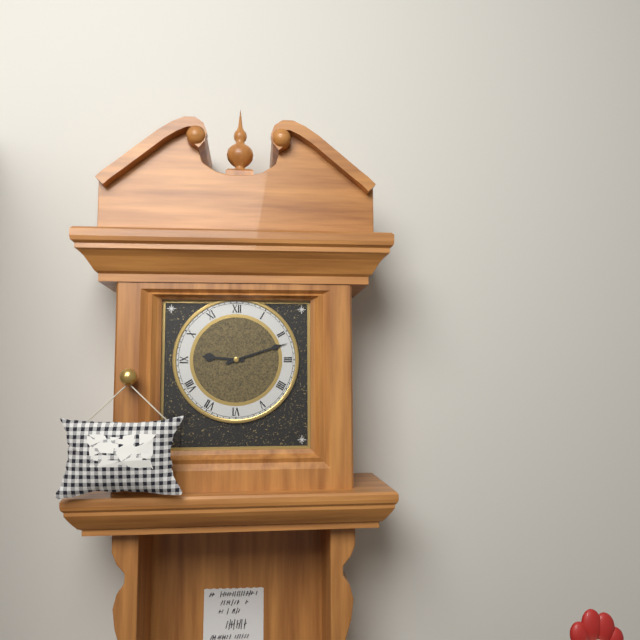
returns 9:12
